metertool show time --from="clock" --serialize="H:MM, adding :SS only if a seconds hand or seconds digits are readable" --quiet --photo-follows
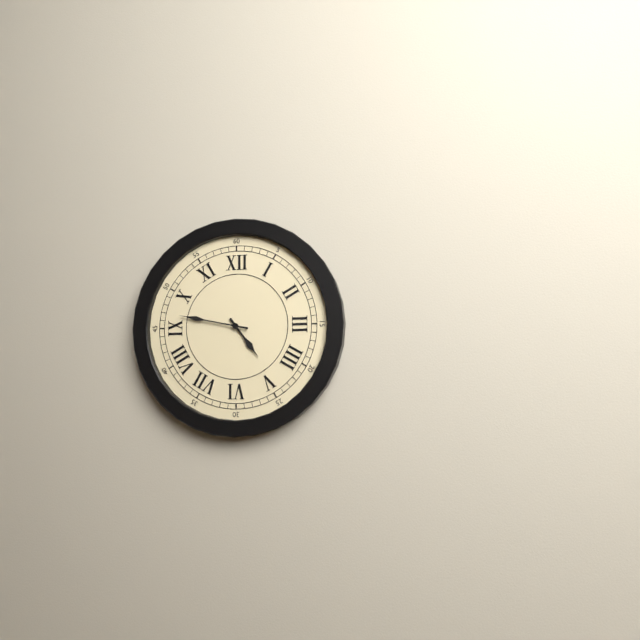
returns 4:47
